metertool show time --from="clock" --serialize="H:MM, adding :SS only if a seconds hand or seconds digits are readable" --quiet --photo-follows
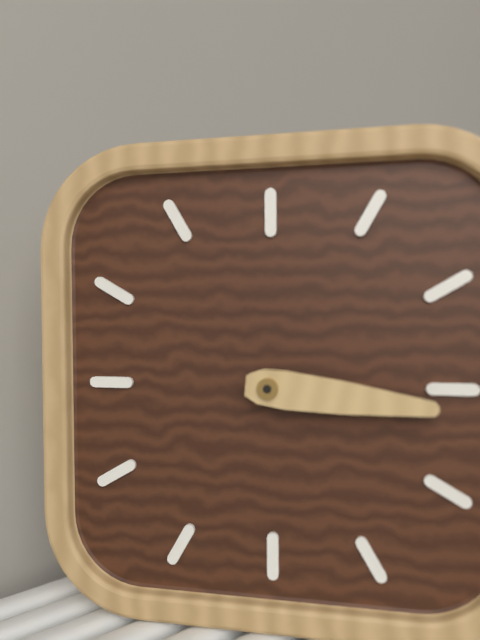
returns 3:16
